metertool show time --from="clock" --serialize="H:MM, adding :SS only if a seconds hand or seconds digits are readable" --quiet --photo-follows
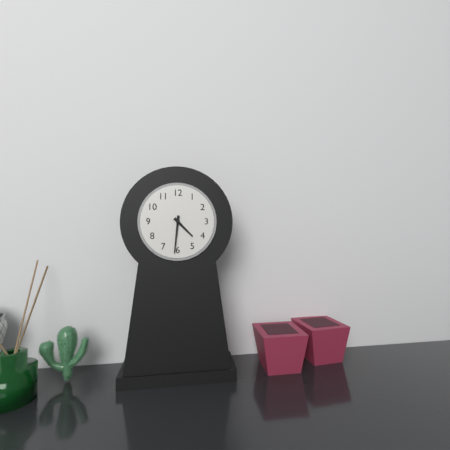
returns 4:31
